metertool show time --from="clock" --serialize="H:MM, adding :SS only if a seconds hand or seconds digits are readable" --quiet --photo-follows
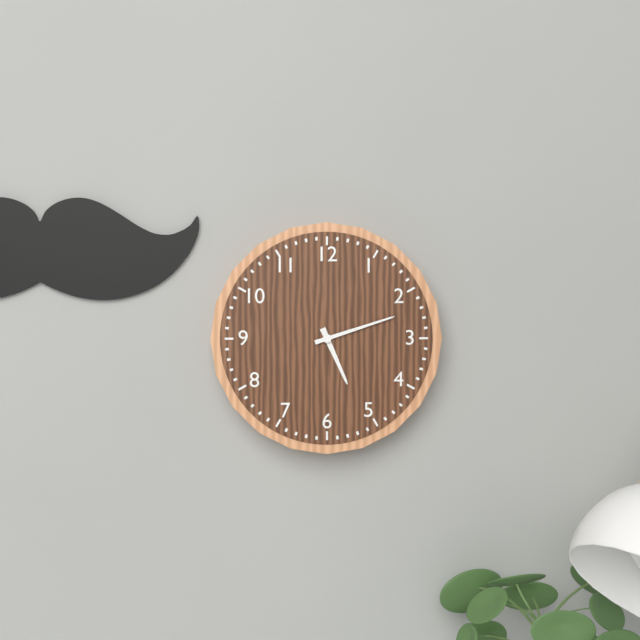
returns 5:12
